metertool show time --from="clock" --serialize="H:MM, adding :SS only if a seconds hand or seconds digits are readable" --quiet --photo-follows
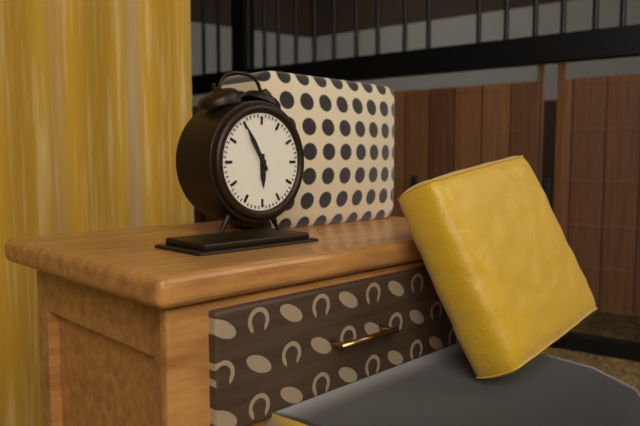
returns 5:55
